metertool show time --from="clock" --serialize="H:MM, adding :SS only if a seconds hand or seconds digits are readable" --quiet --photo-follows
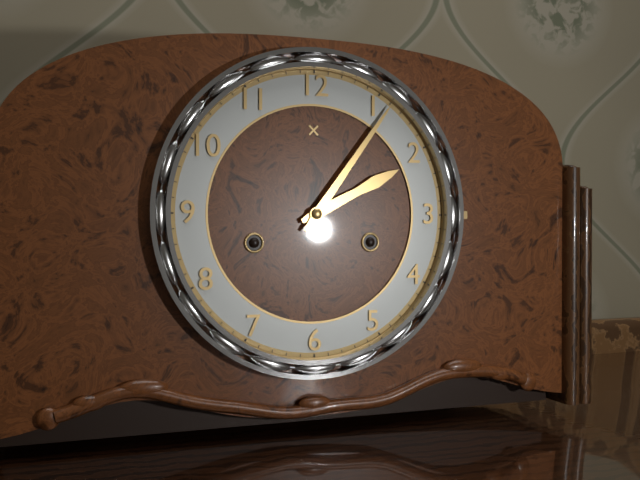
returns 2:06
